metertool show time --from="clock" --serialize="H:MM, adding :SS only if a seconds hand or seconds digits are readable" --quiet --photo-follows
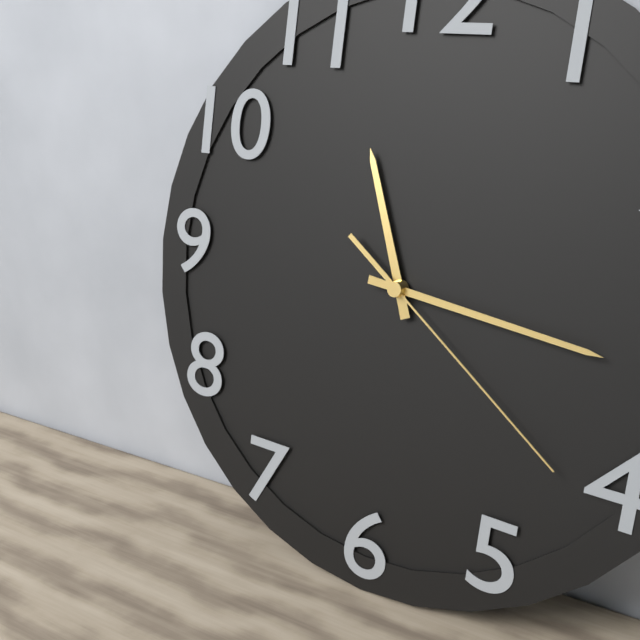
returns 11:16:21
